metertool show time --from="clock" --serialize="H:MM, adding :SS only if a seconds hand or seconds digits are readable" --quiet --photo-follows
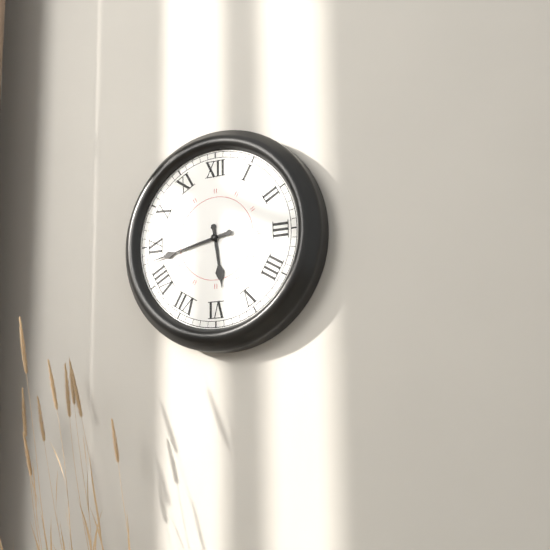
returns 5:43
